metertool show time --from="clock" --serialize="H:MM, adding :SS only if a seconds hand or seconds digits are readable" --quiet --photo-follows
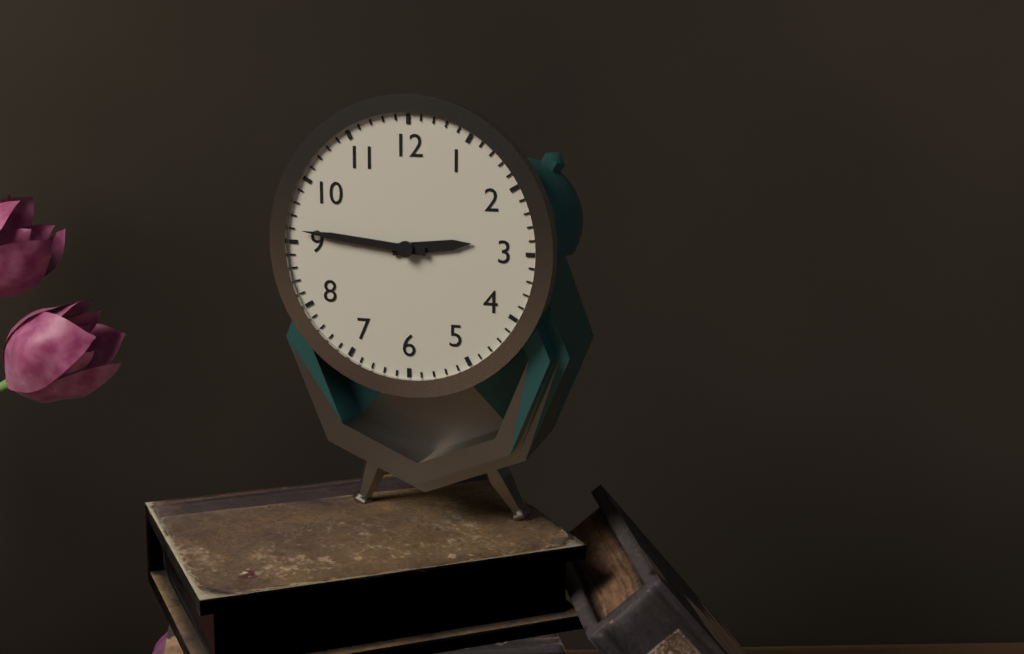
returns 2:46
